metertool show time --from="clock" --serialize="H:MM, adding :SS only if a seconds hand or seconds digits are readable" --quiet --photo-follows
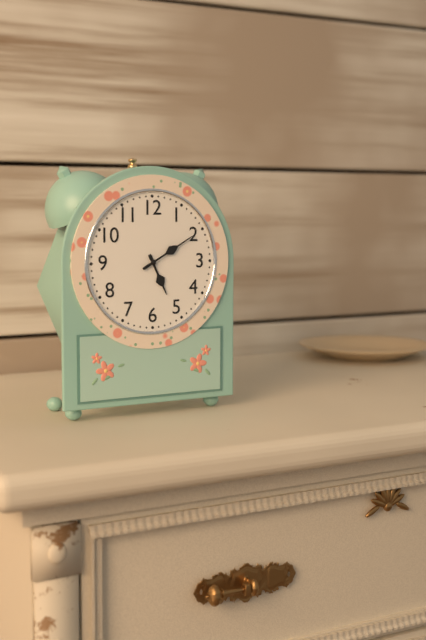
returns 5:10
